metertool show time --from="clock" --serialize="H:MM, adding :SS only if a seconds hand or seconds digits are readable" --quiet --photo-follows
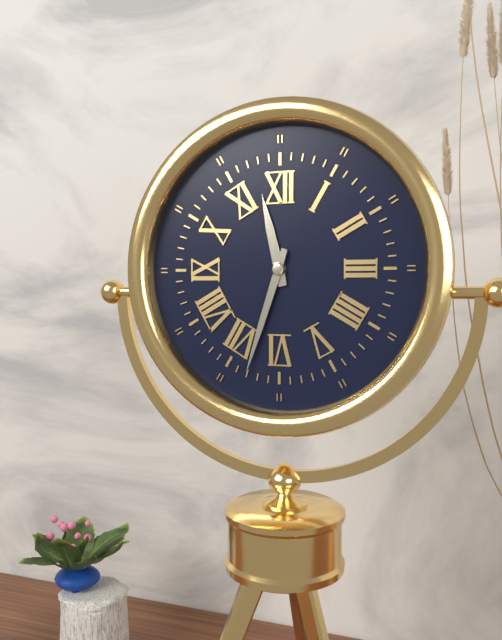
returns 11:33
